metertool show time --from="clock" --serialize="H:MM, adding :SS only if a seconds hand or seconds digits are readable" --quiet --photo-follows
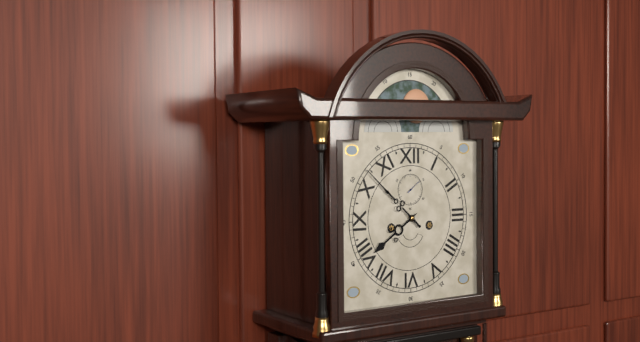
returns 7:52
